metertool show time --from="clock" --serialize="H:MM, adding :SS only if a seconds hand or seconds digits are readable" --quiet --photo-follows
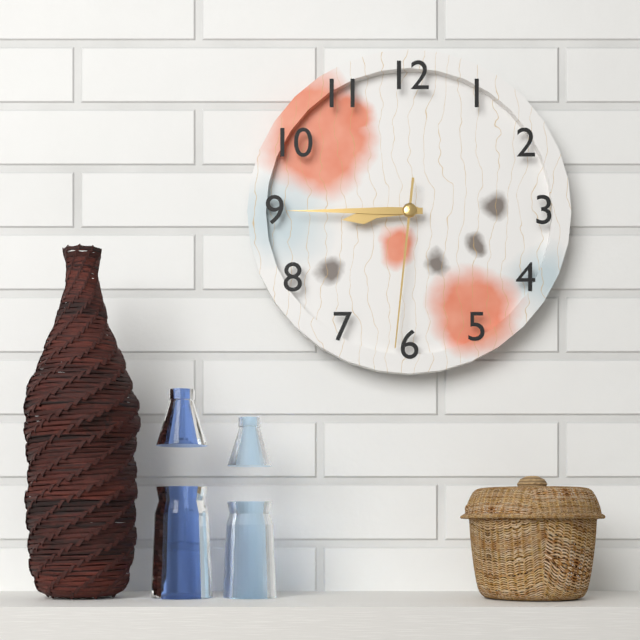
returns 8:45:31
